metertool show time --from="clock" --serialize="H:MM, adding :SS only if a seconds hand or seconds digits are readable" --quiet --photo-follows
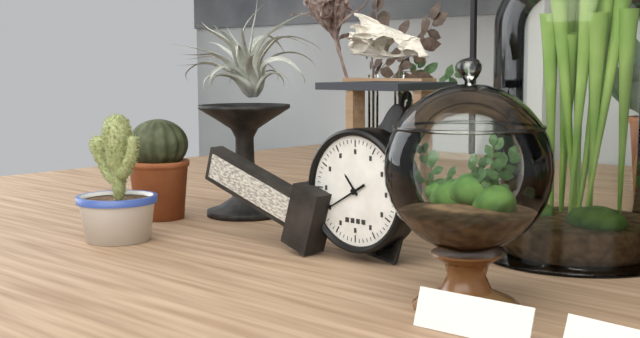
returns 10:40
